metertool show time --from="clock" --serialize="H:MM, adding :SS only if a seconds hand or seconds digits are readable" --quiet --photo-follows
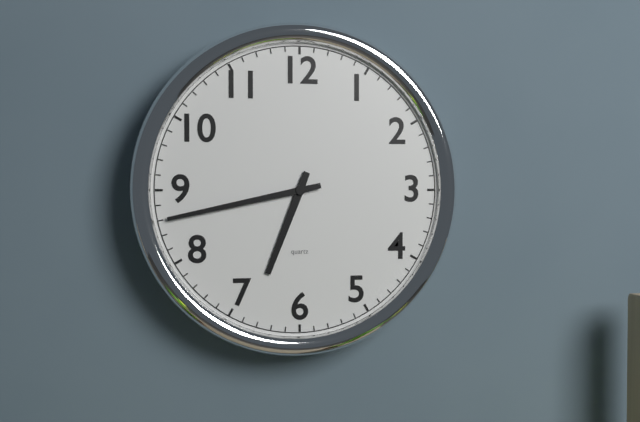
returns 6:43
